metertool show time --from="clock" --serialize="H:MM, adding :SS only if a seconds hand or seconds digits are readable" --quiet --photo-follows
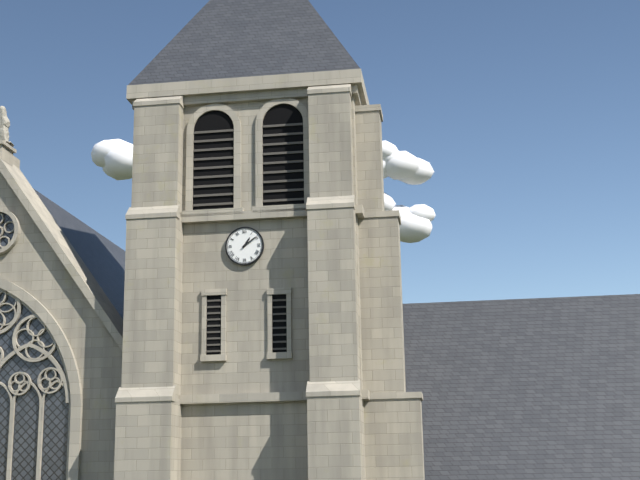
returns 1:09
